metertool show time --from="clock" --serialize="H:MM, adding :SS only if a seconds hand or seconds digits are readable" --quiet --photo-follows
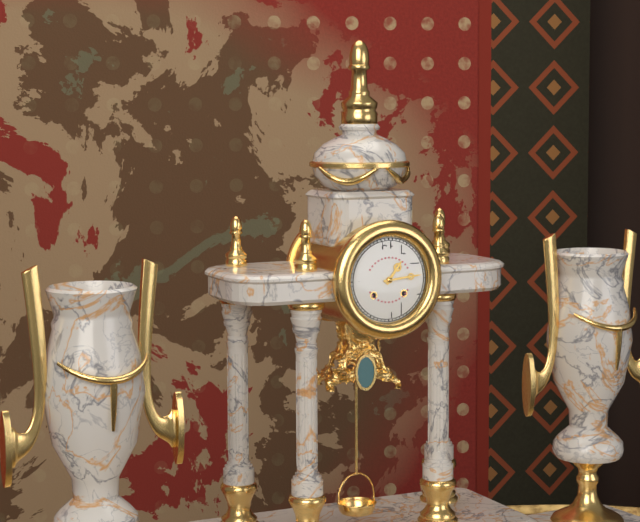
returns 1:14
